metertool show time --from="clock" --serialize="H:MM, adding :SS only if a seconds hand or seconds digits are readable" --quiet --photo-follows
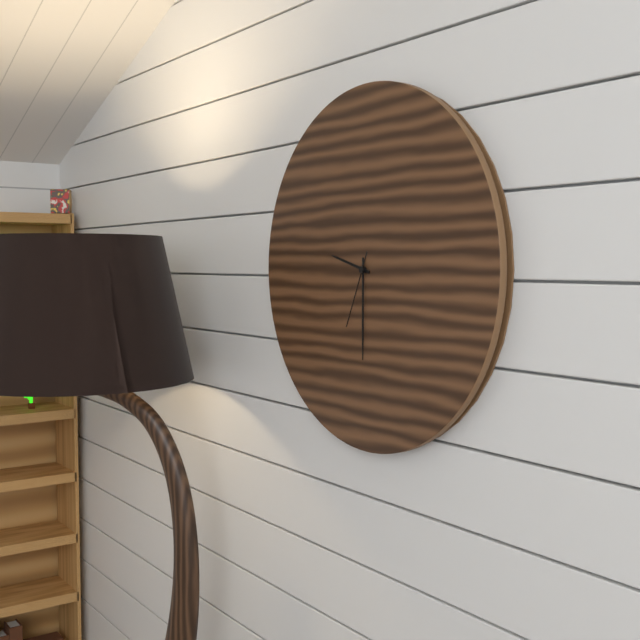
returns 9:30:34
